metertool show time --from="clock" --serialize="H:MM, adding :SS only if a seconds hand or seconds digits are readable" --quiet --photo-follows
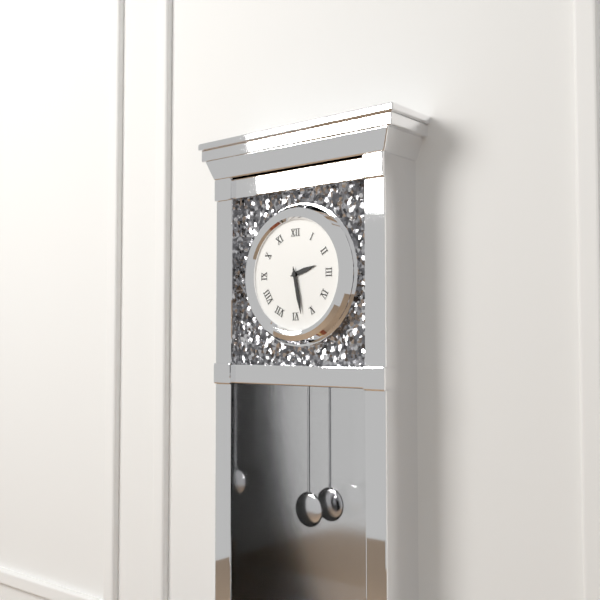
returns 2:28
